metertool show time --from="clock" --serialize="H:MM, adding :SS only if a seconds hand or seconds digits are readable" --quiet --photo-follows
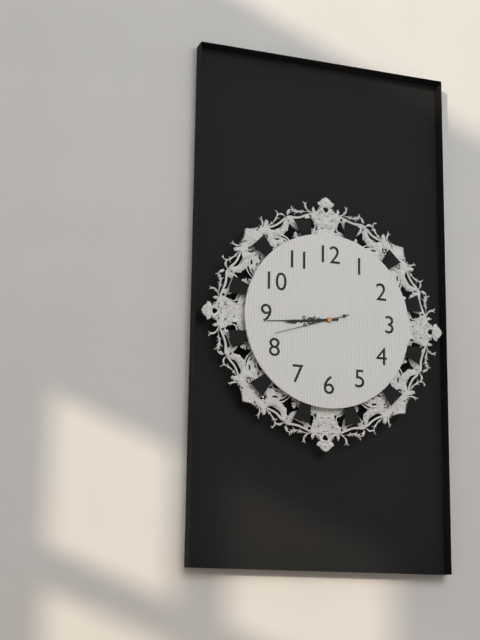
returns 8:44:42
